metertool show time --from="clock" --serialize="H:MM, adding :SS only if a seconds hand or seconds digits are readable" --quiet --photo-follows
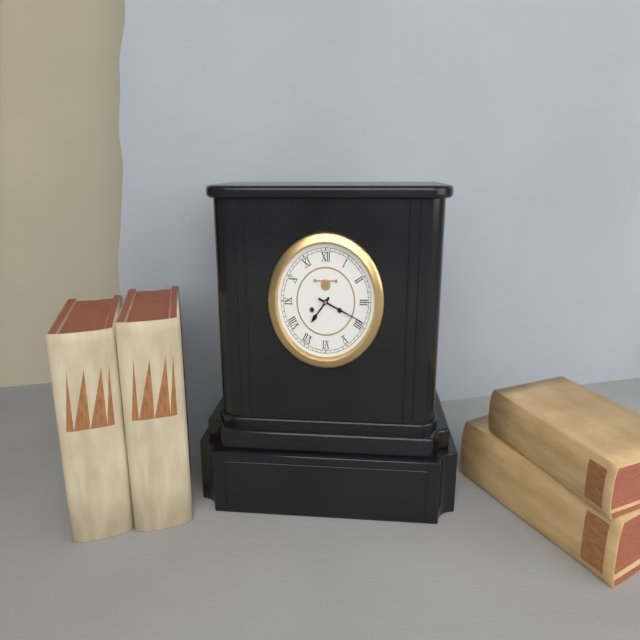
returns 7:19
